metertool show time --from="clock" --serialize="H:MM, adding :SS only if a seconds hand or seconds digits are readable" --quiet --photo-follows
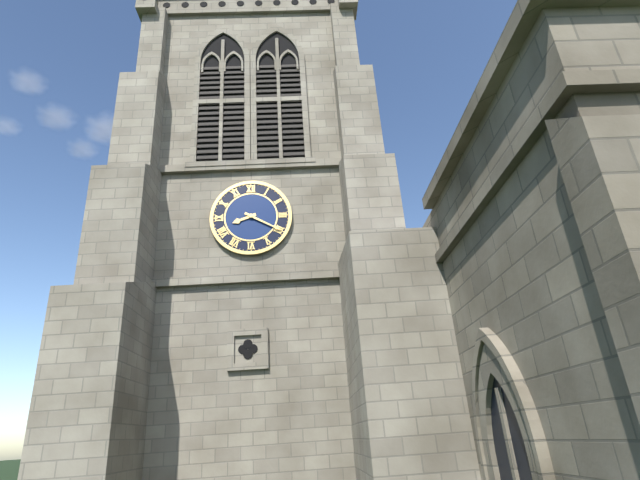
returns 8:20
